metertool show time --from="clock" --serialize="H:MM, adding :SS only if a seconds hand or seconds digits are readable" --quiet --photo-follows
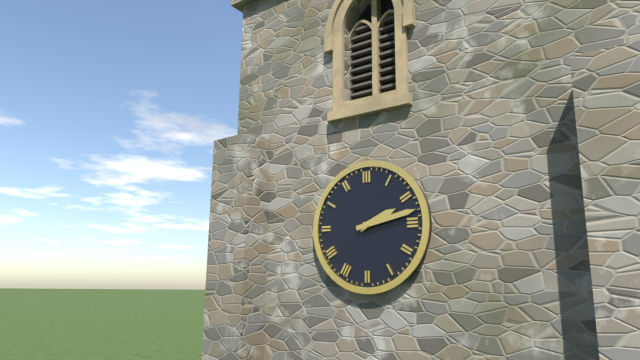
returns 2:13
